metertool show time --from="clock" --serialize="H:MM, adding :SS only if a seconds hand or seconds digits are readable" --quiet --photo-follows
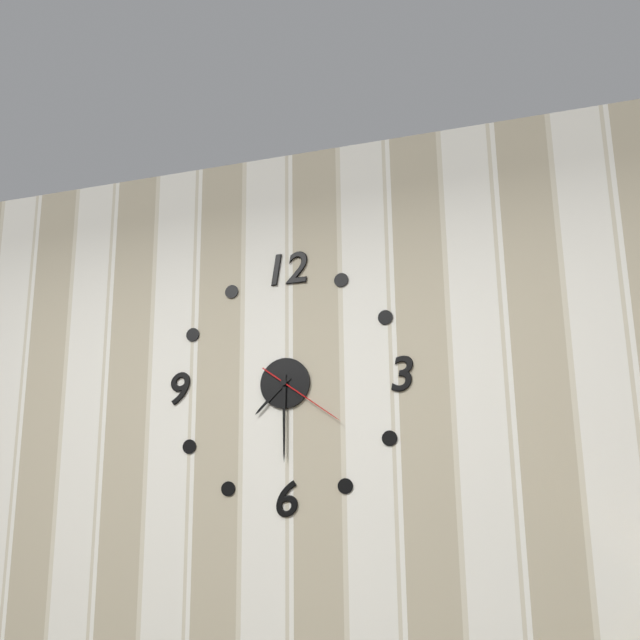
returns 7:30:21
